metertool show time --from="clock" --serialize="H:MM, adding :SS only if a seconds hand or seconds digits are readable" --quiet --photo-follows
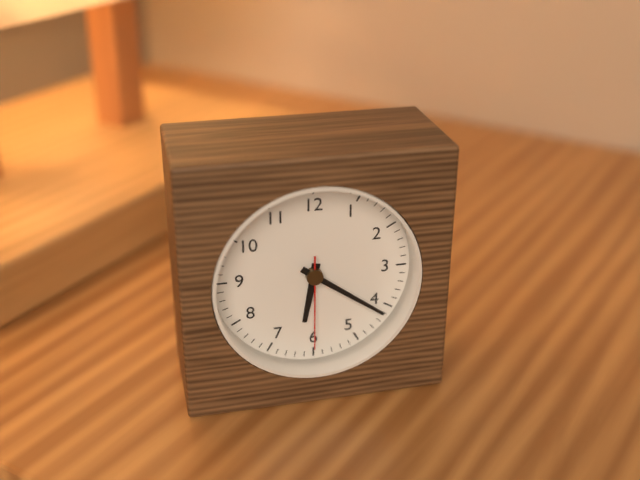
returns 6:21:30
